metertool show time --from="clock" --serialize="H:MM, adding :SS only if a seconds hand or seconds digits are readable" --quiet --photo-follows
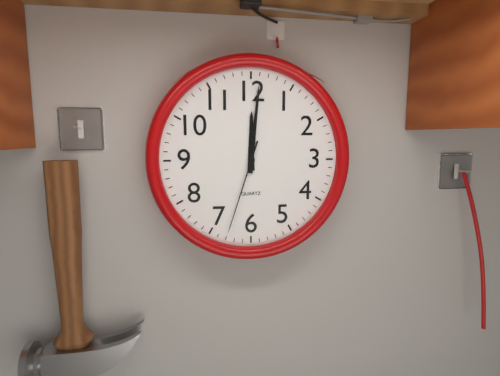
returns 12:01:33
